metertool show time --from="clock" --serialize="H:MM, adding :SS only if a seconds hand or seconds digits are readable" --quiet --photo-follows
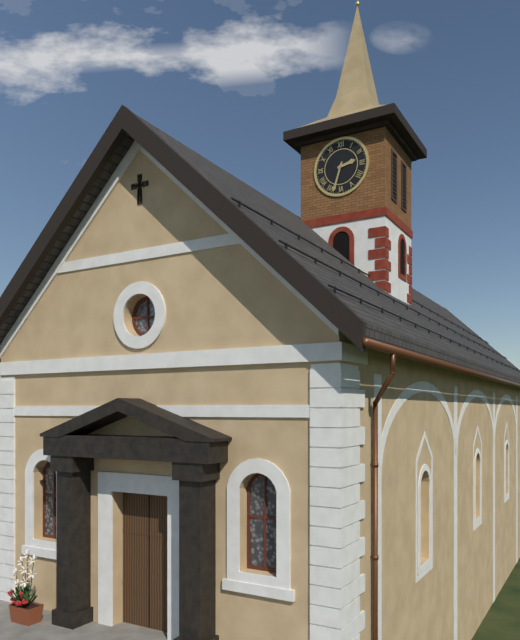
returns 2:33
